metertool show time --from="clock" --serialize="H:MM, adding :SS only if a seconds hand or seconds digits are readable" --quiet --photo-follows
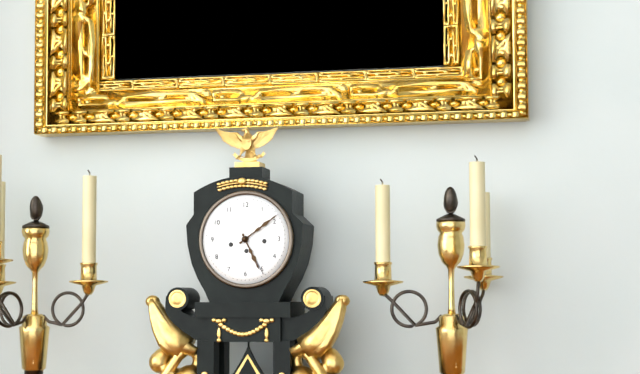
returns 5:09
